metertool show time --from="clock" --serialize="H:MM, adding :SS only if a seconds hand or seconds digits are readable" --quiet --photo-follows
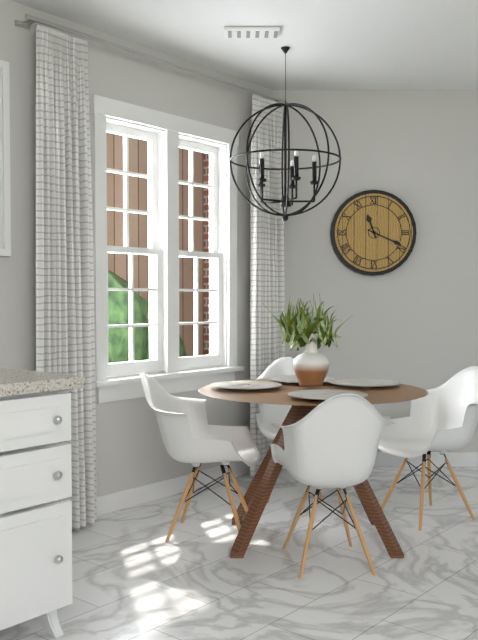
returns 11:19
